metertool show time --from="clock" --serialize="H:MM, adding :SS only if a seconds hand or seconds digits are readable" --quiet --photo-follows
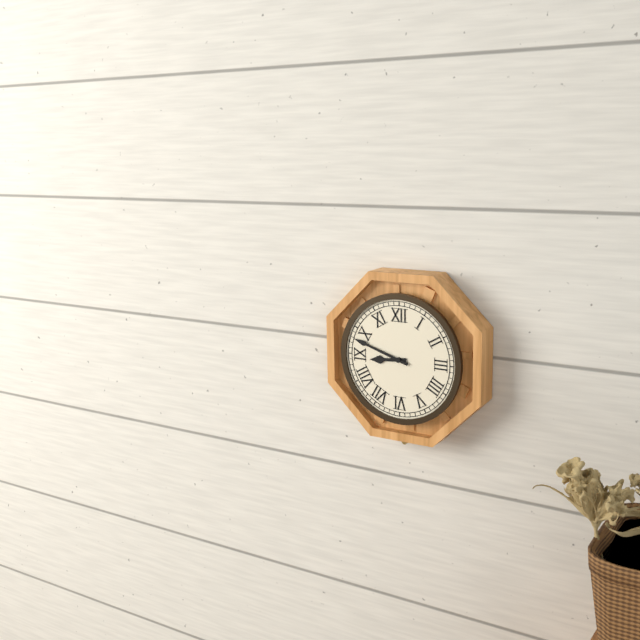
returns 8:48
